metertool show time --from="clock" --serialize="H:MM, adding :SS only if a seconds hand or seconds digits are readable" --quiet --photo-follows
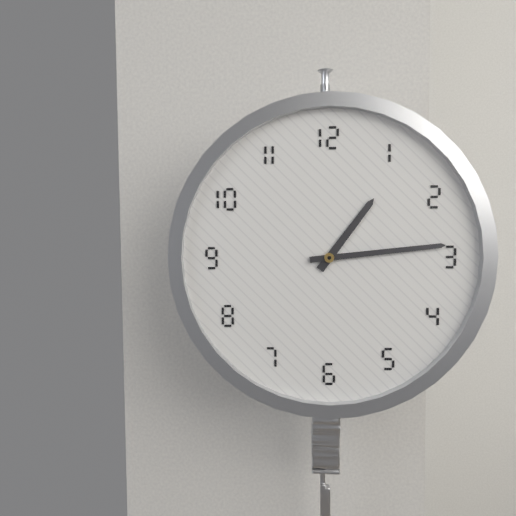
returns 1:14
